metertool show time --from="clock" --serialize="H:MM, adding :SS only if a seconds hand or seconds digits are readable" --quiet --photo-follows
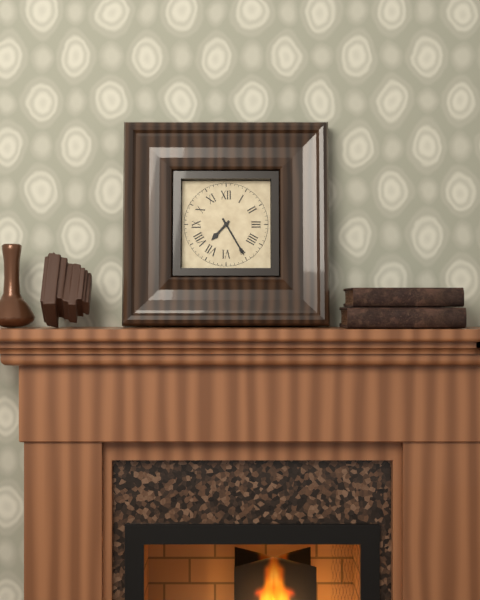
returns 7:25
